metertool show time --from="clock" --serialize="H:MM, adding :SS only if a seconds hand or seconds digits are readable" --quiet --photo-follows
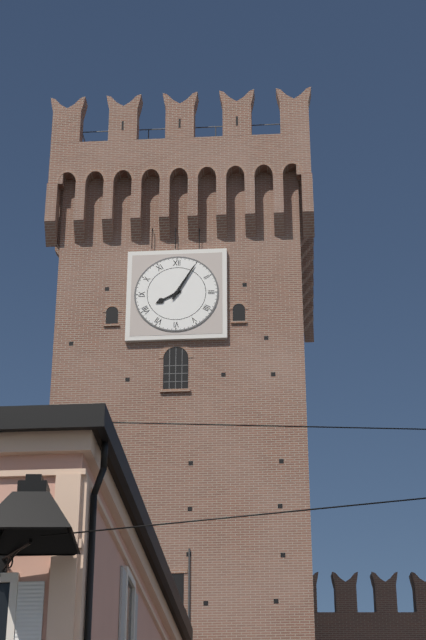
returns 8:05
